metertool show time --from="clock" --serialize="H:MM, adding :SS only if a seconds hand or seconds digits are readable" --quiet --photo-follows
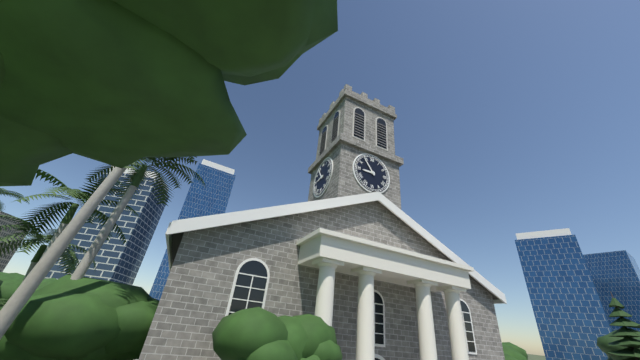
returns 8:54
